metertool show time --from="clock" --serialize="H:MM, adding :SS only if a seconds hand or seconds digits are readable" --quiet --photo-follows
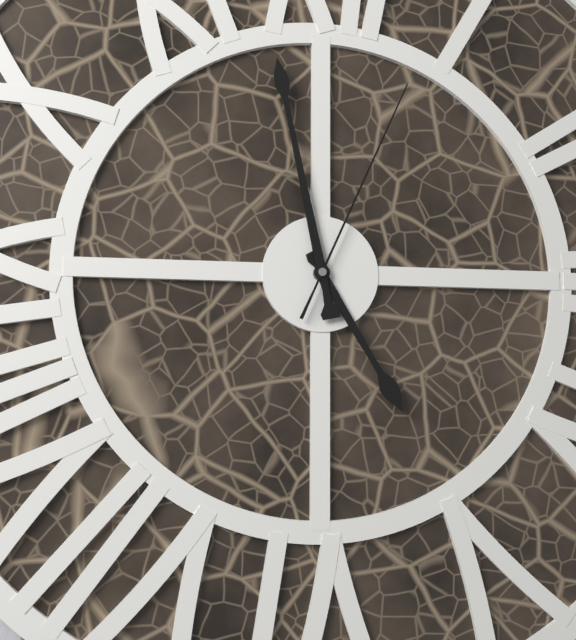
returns 4:58:04
